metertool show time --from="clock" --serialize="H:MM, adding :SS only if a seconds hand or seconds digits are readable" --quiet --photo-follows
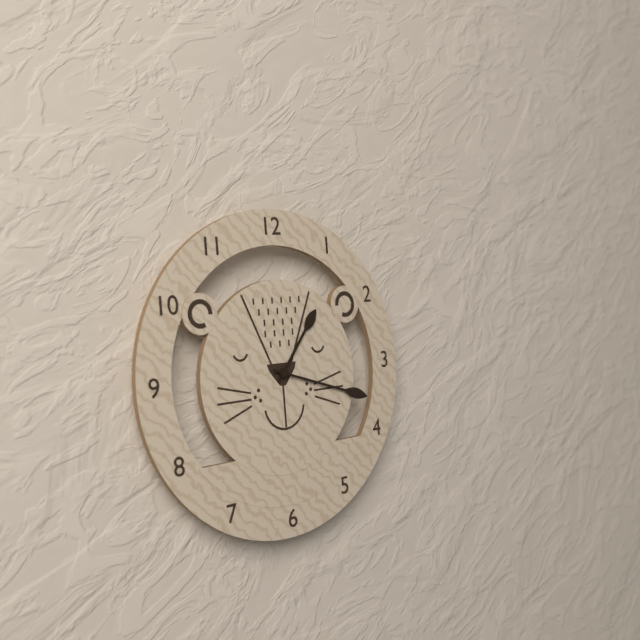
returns 1:18
